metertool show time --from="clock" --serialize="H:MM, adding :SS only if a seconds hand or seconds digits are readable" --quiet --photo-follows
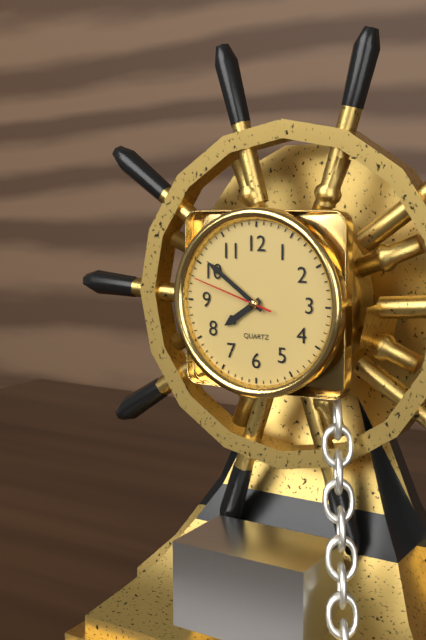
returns 7:51:48
